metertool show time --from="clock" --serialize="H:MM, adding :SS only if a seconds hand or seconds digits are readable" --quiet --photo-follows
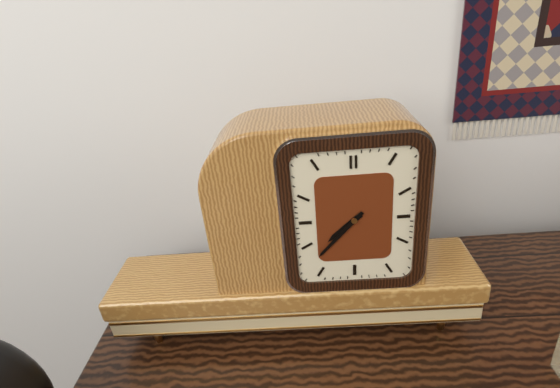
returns 7:37
